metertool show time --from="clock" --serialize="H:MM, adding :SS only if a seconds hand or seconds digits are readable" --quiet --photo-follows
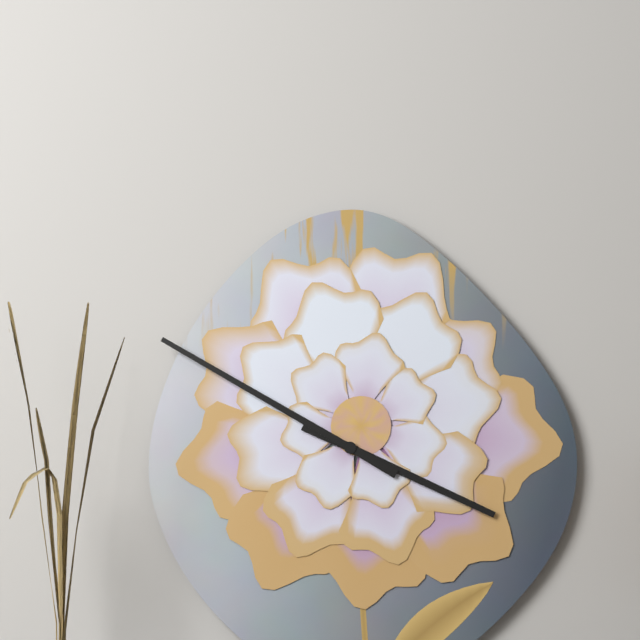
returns 3:50
